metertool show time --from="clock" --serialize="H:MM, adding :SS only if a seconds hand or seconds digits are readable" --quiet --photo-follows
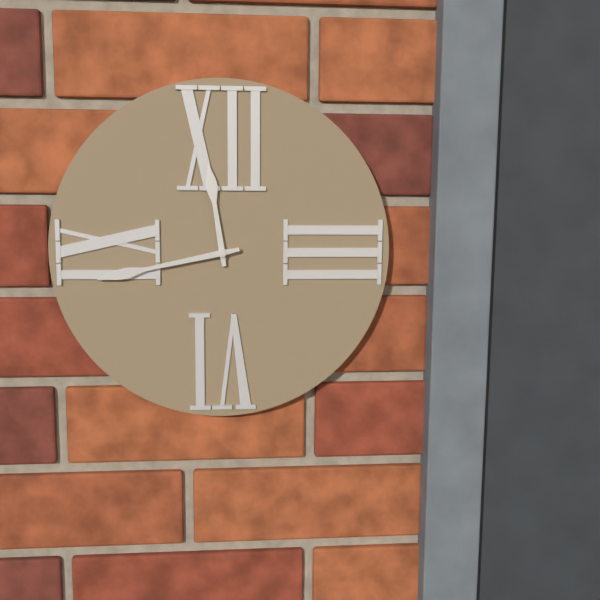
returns 11:43
